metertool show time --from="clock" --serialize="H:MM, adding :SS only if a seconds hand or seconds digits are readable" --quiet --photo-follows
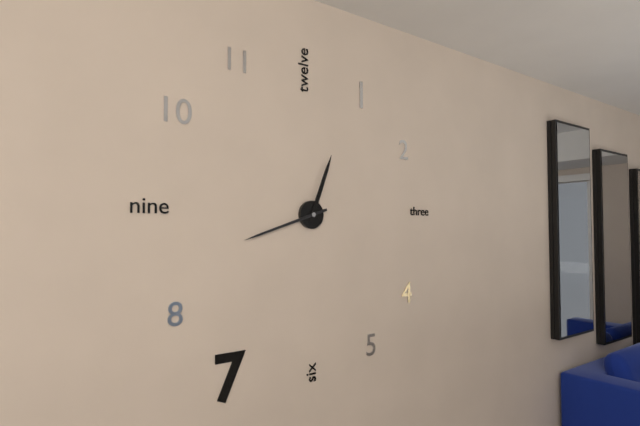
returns 12:42
